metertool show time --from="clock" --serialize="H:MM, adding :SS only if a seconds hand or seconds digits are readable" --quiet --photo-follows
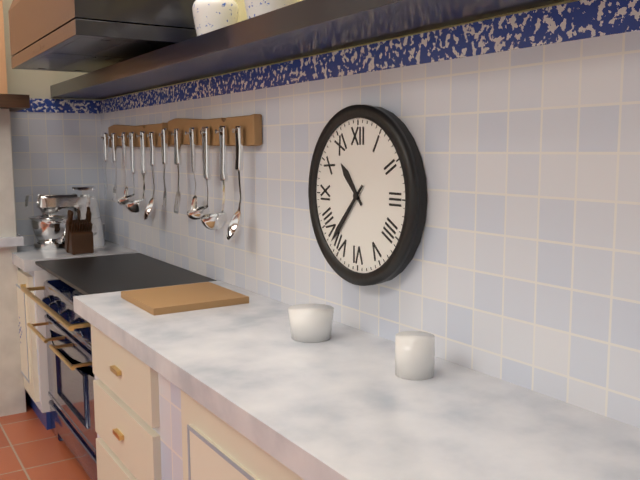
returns 10:37
